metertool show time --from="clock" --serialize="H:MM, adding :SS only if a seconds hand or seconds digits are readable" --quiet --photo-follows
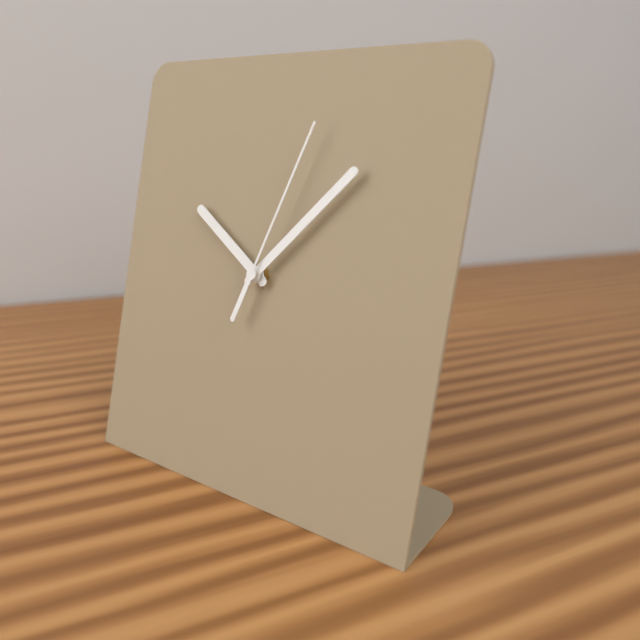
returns 10:07:03
